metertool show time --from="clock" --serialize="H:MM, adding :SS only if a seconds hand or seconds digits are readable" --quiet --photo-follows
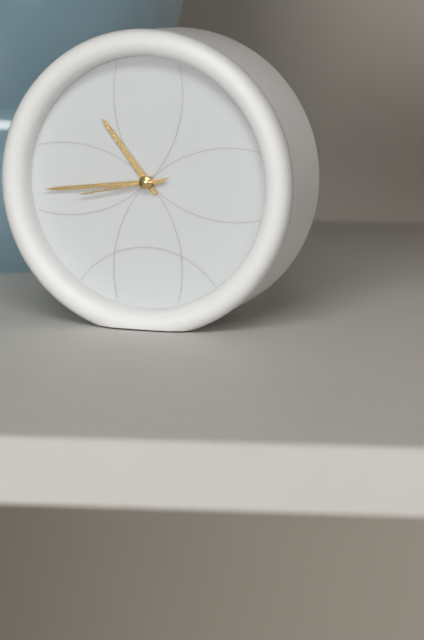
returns 10:44:43
